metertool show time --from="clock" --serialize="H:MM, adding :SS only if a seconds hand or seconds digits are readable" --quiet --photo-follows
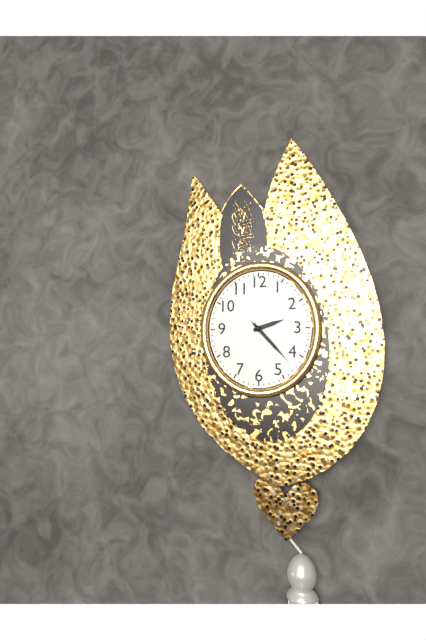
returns 2:23:23
